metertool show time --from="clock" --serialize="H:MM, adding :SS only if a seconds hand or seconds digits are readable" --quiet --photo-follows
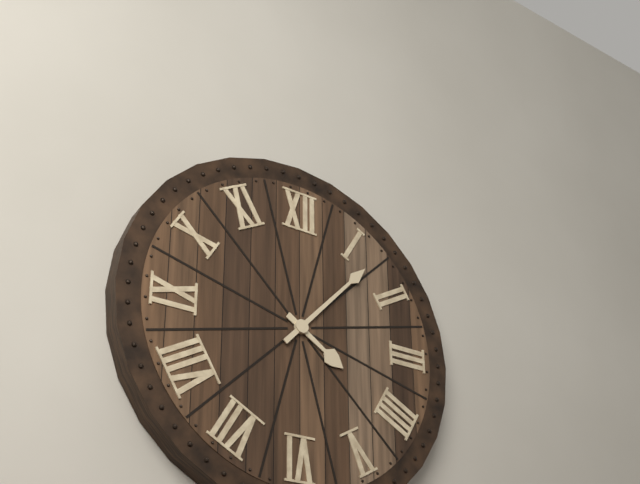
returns 4:07
